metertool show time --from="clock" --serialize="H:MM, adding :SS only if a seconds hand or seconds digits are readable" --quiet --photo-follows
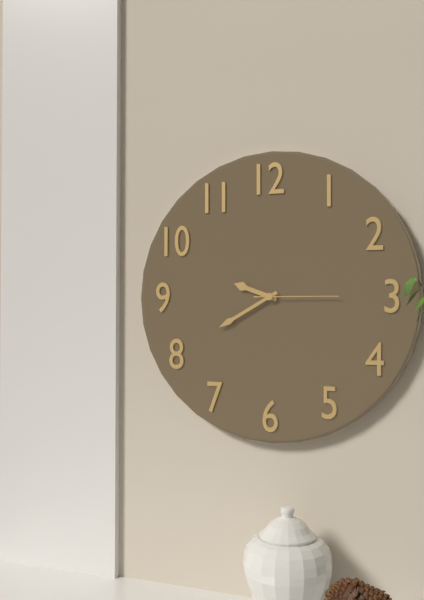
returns 9:40:15
